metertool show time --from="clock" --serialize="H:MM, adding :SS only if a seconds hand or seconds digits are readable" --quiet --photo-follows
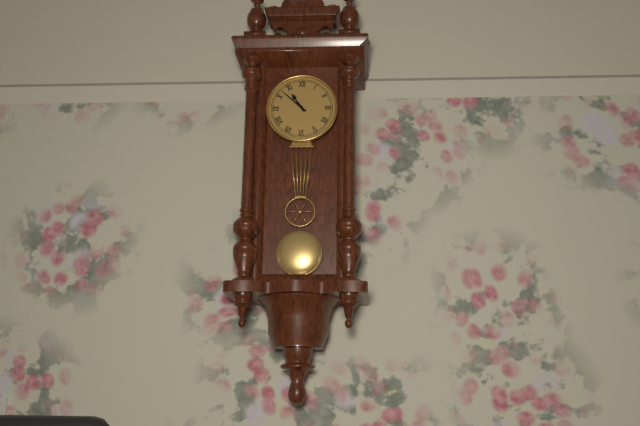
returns 10:52
